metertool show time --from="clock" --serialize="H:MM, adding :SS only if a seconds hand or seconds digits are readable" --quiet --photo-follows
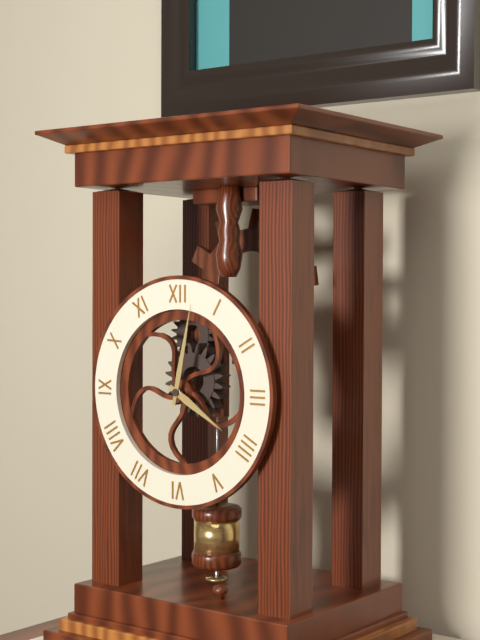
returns 4:02
